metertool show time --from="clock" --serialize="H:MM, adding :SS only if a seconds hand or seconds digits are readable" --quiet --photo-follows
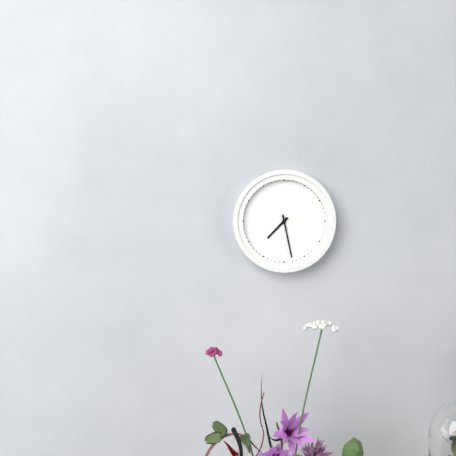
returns 7:28
